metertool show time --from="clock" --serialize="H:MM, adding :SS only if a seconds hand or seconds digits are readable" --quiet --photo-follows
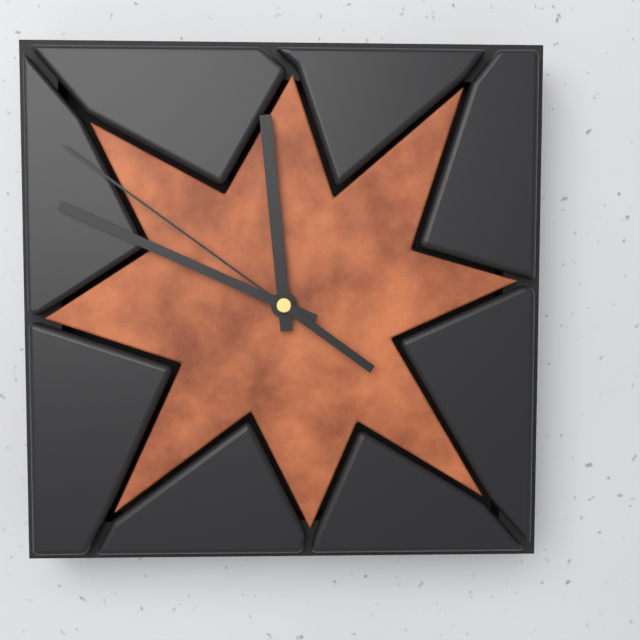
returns 11:49:51
